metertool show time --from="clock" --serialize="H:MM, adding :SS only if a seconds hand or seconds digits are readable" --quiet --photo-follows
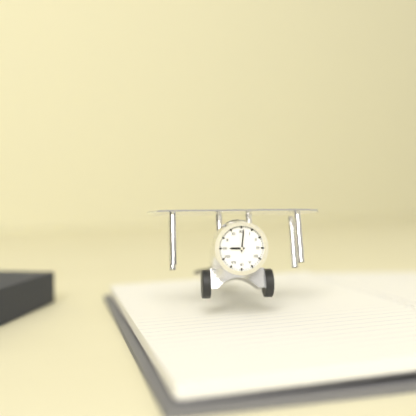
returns 9:01
